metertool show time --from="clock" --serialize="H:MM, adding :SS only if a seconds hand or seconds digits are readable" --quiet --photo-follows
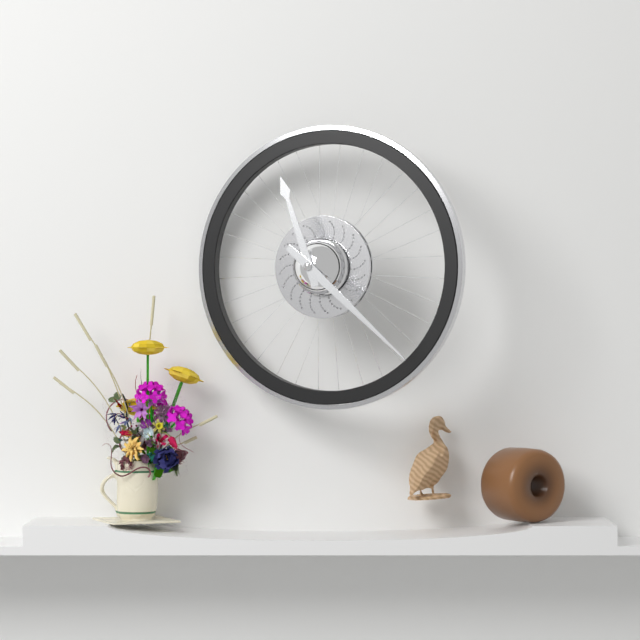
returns 11:22
